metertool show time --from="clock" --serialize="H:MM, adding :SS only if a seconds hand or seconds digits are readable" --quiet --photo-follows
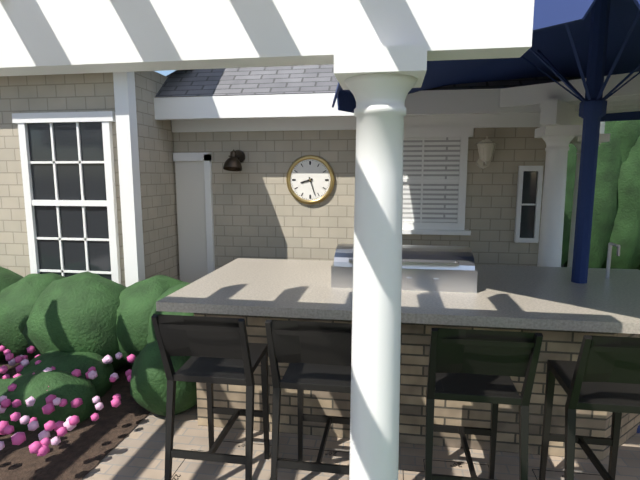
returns 8:27
